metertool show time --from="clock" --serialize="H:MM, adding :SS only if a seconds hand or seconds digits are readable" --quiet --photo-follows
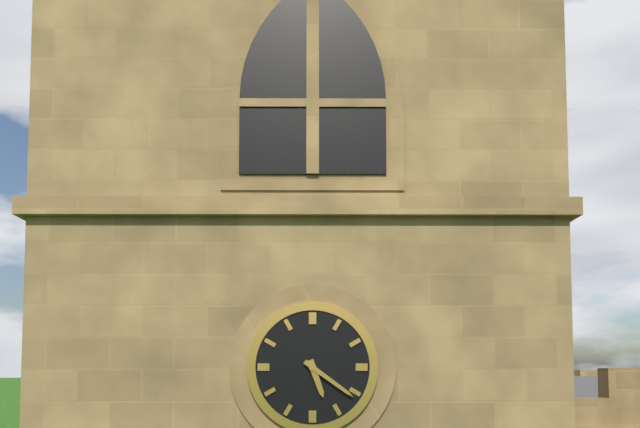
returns 5:21
